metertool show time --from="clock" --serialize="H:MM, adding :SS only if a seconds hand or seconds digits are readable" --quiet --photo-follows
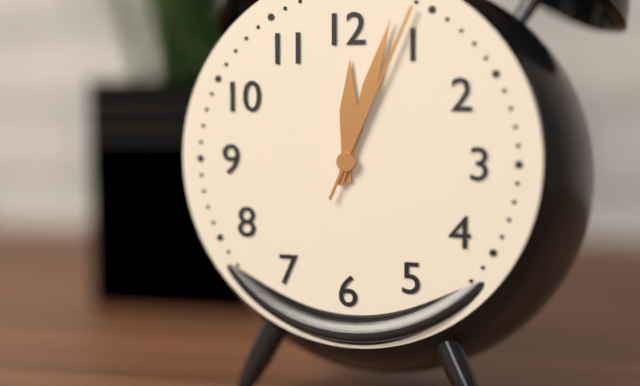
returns 12:03:04
